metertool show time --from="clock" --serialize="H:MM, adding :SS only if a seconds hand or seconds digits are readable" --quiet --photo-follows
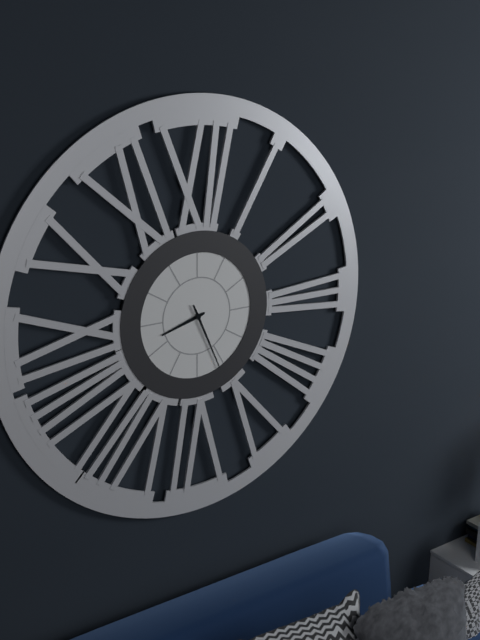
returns 8:26
